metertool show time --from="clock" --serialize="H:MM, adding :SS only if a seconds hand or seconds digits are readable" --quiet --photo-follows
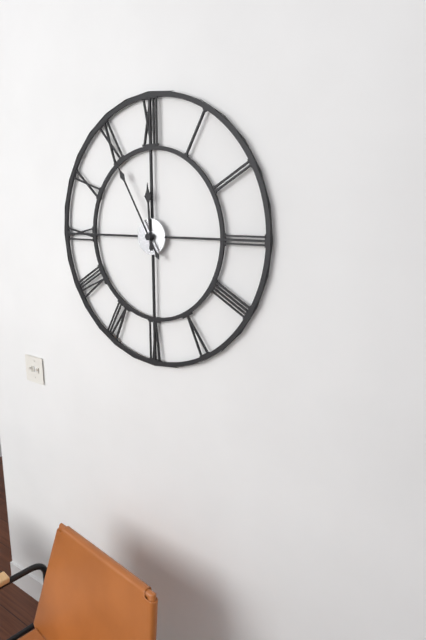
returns 11:55
